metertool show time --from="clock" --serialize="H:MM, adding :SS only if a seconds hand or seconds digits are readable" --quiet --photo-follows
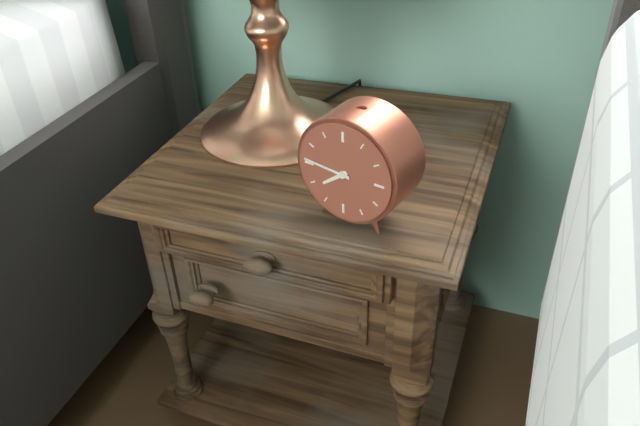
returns 7:46
